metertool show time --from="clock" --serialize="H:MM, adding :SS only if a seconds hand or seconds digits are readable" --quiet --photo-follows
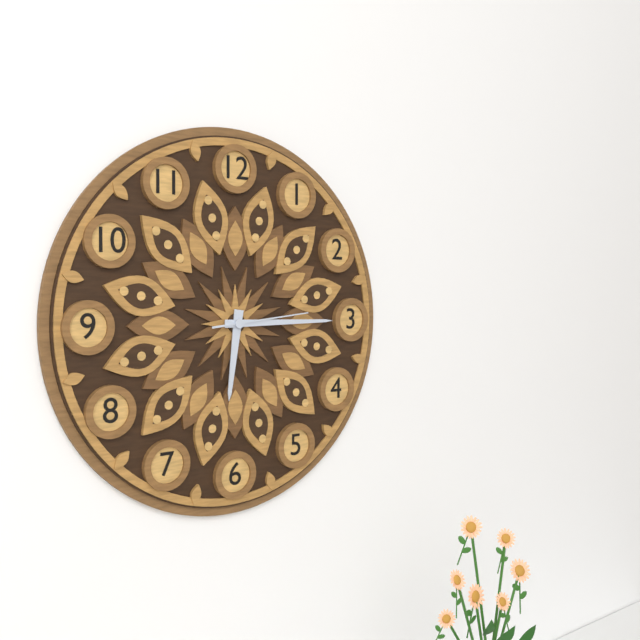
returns 6:15:14
